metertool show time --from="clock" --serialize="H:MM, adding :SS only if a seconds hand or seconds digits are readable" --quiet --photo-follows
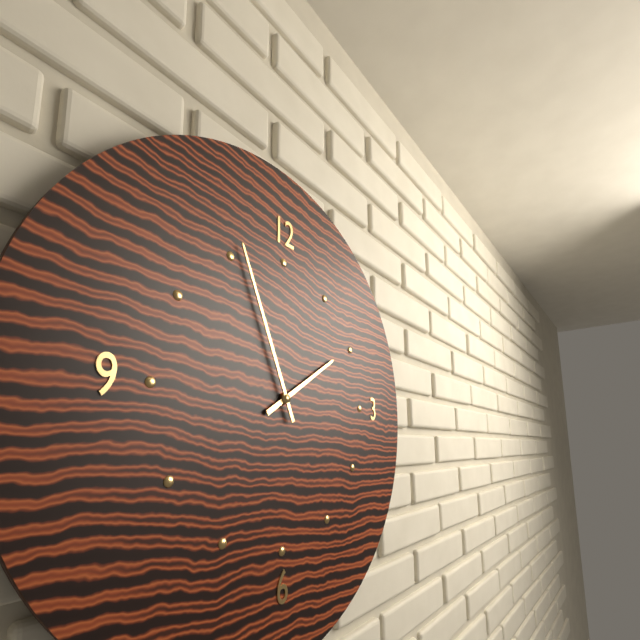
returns 1:56
